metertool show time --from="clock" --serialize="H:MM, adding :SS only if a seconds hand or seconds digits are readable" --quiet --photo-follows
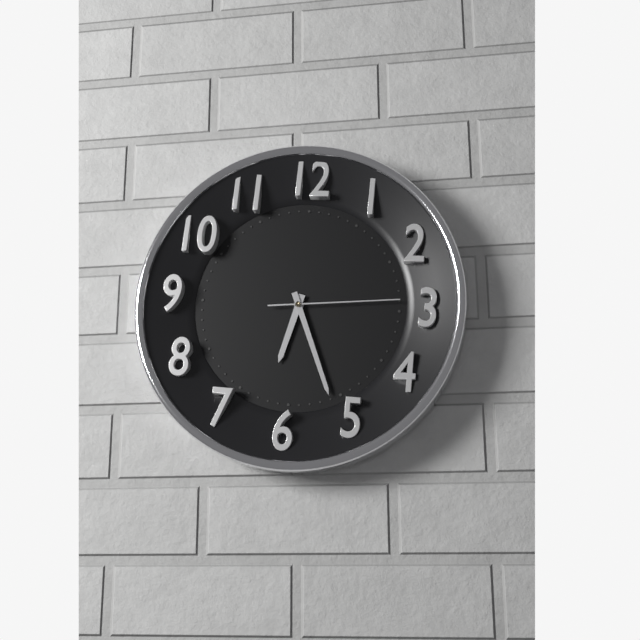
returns 6:26:14
